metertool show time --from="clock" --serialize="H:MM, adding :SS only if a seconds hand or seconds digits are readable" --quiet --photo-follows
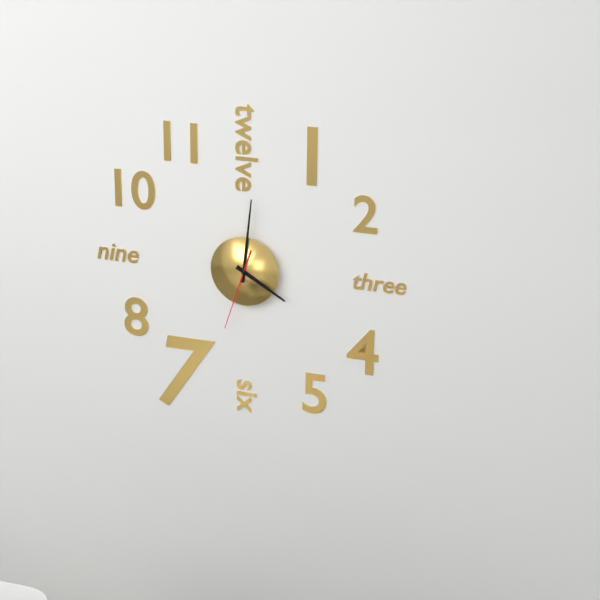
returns 4:01:33
